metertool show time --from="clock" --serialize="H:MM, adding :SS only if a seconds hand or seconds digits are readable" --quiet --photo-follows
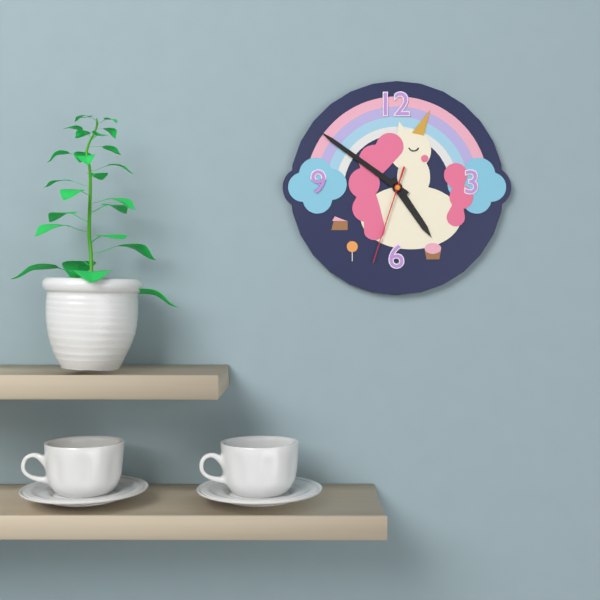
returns 4:51:33
